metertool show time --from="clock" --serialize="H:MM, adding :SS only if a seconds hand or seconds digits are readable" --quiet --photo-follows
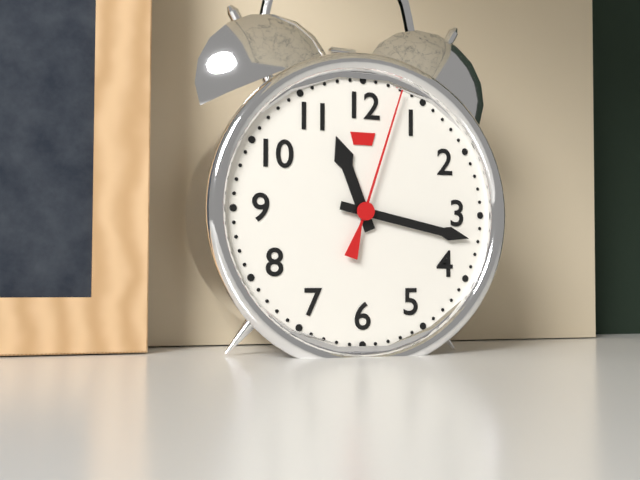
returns 11:17:03
